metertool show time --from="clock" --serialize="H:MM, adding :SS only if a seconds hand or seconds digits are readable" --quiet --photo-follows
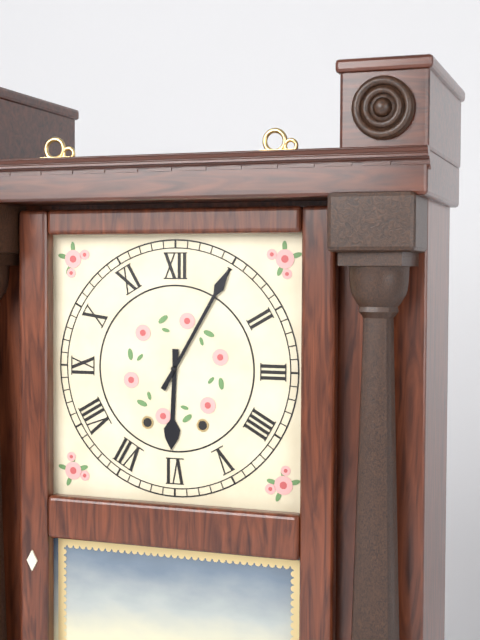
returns 6:05
